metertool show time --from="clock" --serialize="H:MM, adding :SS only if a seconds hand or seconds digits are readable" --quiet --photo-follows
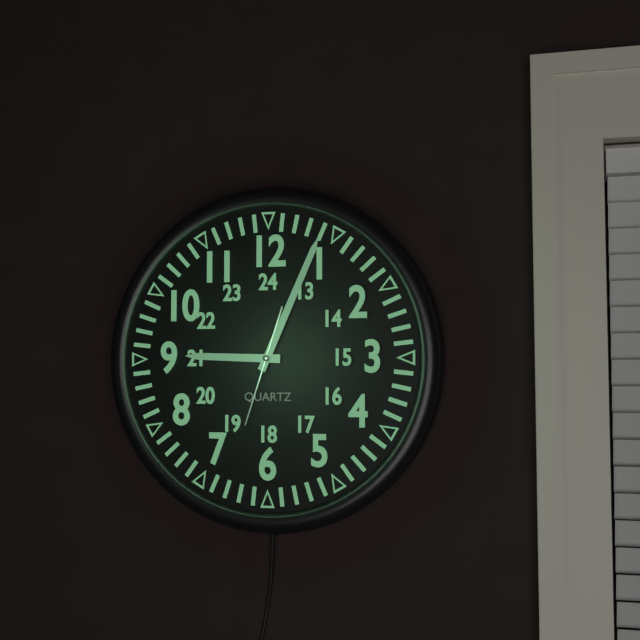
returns 9:04:33
